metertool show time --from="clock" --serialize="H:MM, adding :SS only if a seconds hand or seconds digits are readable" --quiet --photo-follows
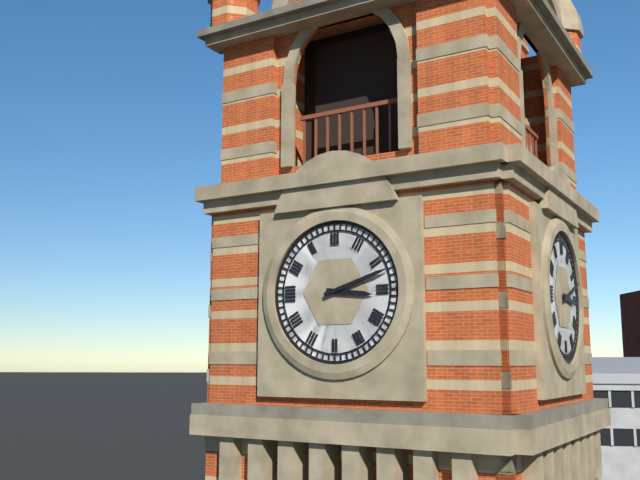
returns 3:12
